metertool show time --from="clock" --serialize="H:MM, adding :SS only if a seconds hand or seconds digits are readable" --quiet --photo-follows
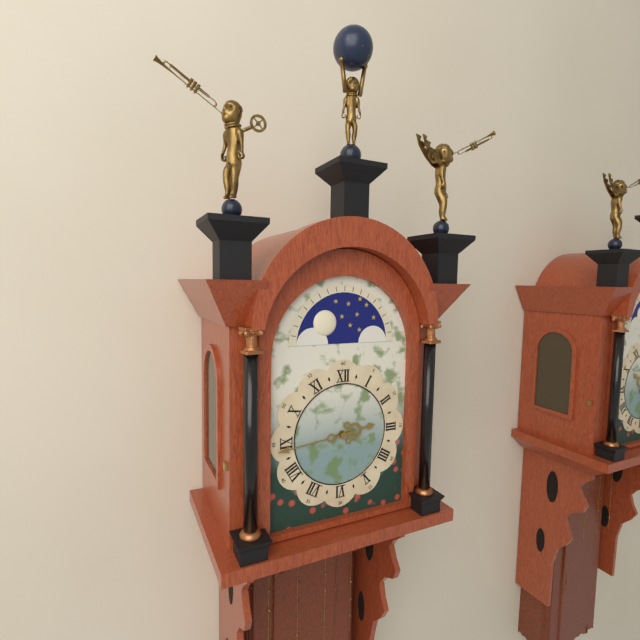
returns 2:44
